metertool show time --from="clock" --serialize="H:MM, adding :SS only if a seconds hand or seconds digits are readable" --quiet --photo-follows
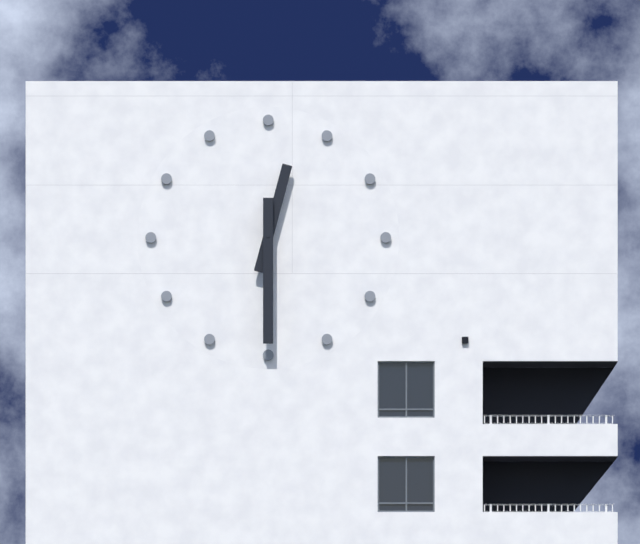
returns 12:30
